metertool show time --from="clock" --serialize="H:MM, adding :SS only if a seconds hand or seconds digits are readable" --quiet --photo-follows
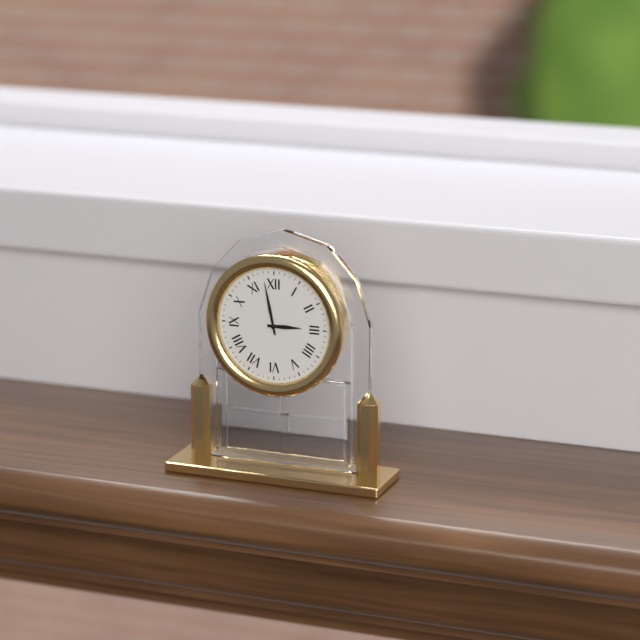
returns 2:58
